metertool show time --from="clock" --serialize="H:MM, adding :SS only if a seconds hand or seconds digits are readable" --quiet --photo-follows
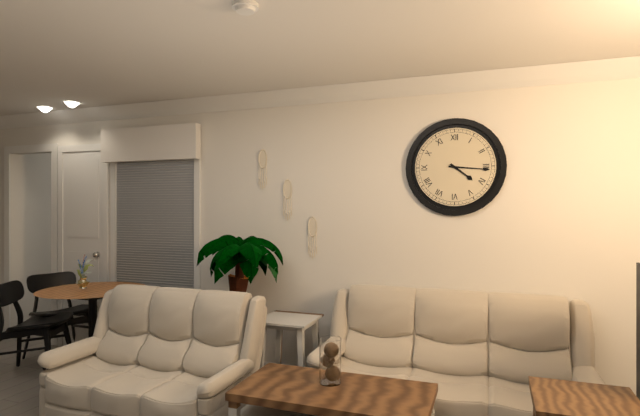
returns 4:16
